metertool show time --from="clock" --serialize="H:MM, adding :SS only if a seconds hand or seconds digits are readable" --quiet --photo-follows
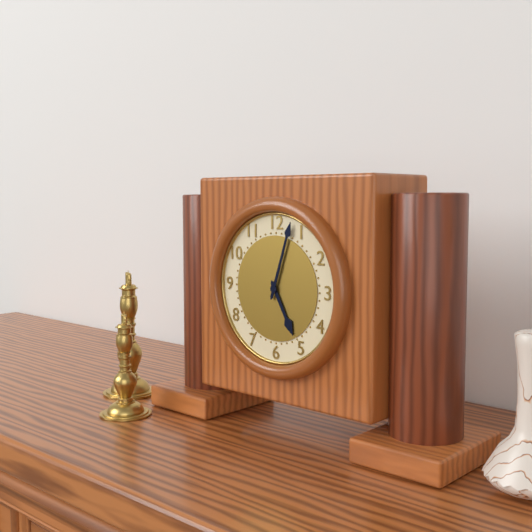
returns 5:03
